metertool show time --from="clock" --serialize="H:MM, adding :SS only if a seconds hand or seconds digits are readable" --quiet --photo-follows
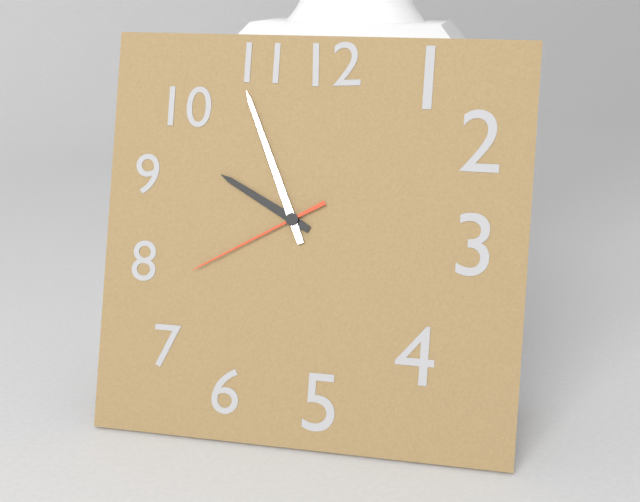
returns 9:56:40
